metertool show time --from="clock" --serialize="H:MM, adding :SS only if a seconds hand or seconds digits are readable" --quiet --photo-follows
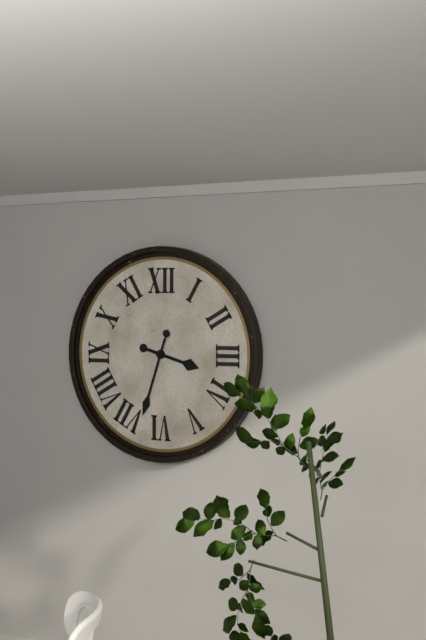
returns 3:33
